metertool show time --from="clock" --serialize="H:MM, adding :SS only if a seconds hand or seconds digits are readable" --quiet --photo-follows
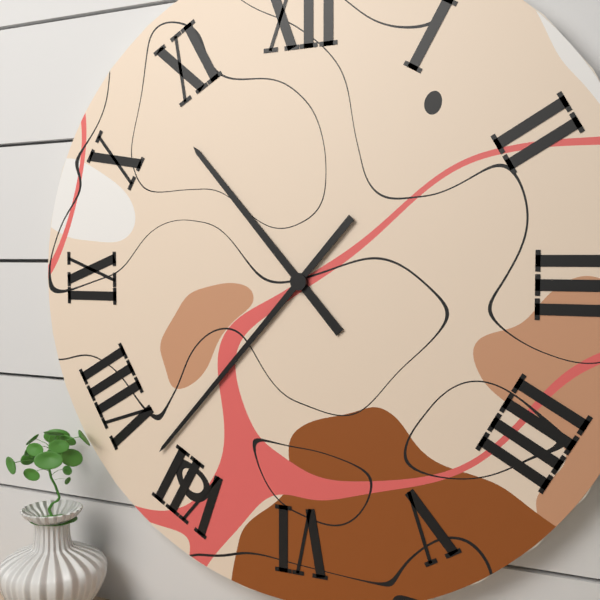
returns 10:37
